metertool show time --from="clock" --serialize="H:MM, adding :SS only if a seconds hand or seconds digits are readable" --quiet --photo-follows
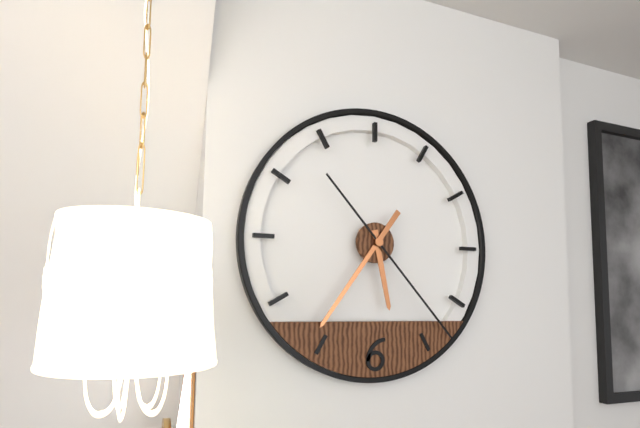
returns 5:36:23
